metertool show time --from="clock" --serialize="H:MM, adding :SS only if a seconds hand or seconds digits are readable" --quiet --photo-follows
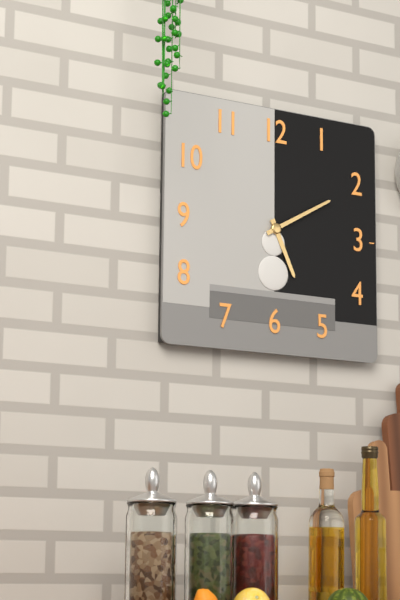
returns 5:10
